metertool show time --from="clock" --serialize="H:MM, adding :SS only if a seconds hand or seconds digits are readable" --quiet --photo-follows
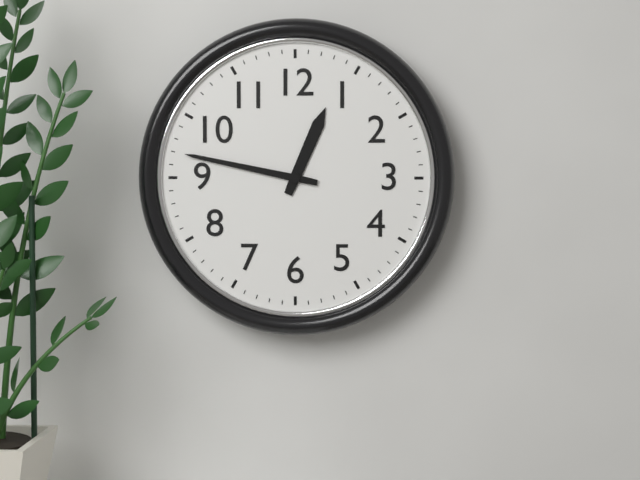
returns 12:47
